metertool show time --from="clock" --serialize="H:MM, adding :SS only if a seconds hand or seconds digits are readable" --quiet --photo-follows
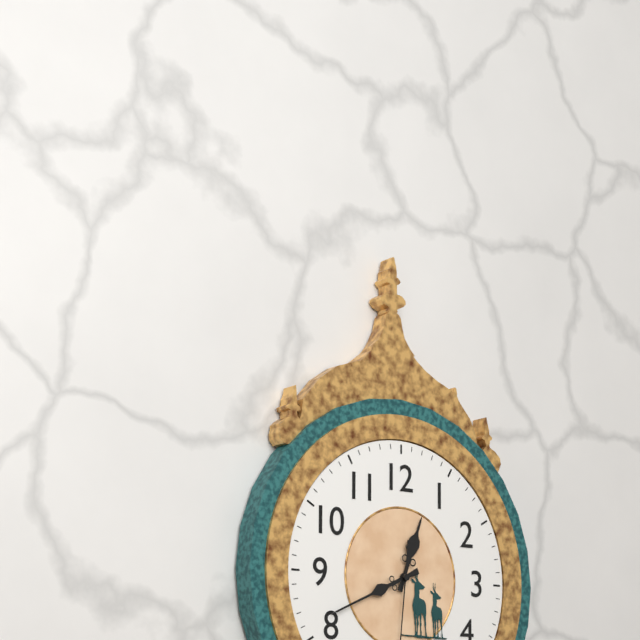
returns 12:41
